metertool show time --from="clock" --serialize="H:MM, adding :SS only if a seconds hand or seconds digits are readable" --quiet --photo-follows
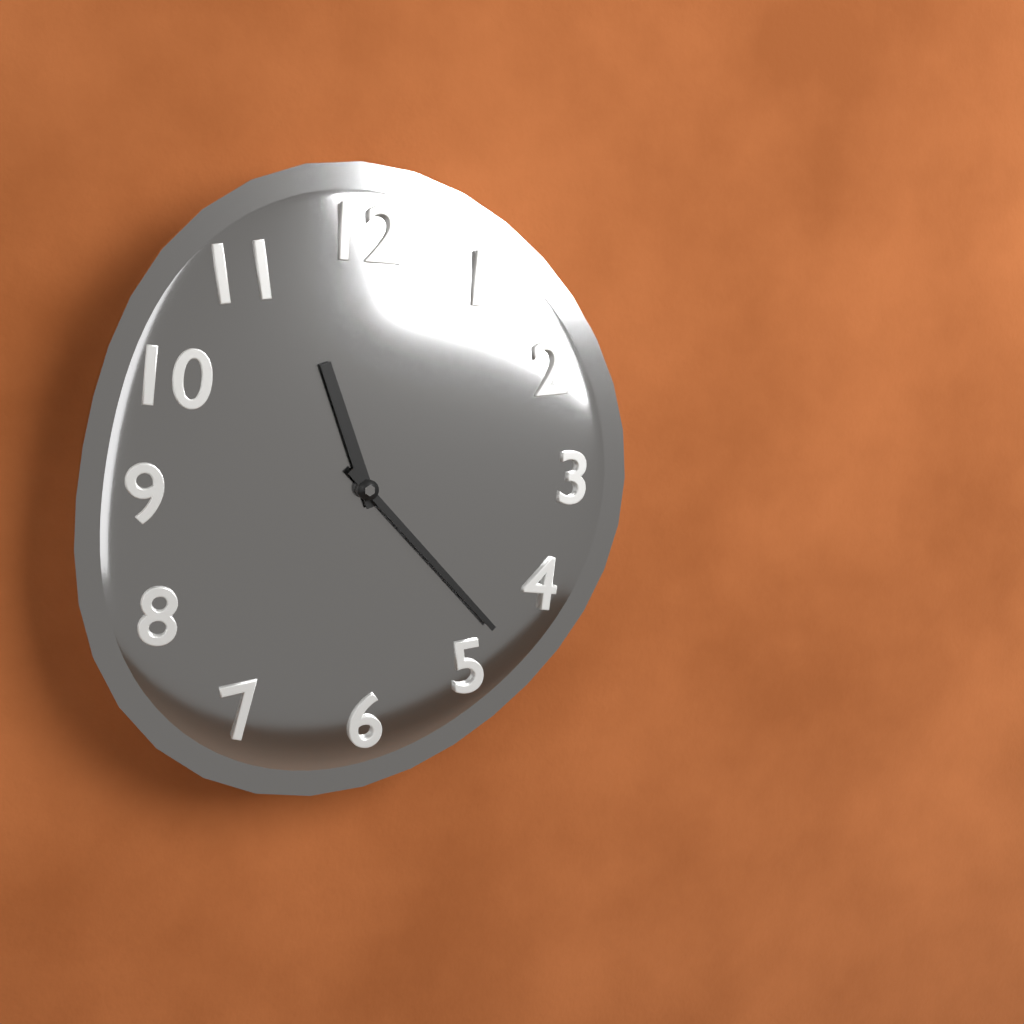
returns 11:23
